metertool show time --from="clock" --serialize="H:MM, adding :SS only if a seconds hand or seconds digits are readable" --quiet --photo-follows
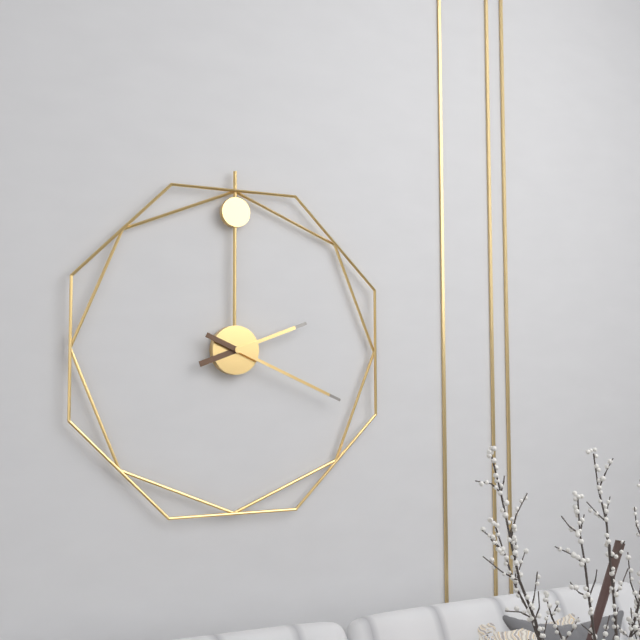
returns 2:19
